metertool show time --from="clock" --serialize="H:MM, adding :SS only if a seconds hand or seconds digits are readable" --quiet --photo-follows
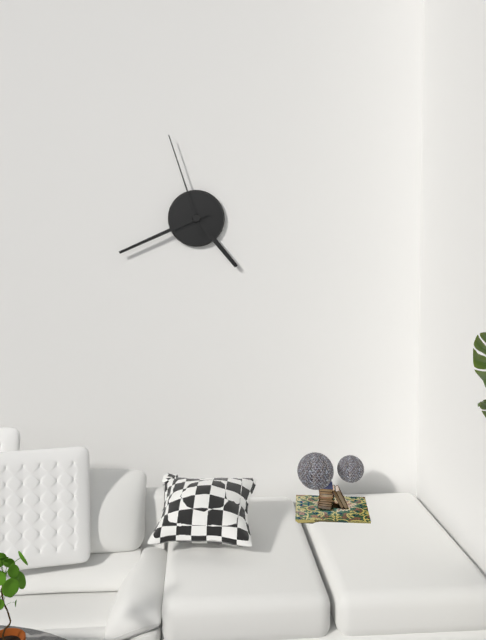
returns 4:41:57
